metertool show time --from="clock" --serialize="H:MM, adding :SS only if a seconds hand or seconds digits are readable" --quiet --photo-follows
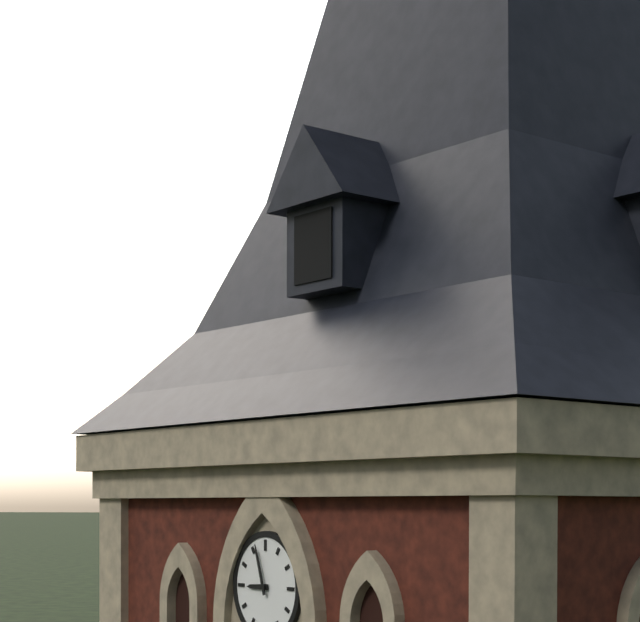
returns 8:57
